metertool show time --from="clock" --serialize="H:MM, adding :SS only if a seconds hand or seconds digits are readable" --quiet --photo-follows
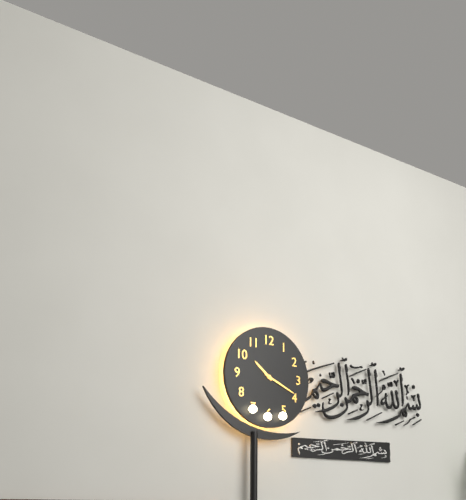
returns 10:19
